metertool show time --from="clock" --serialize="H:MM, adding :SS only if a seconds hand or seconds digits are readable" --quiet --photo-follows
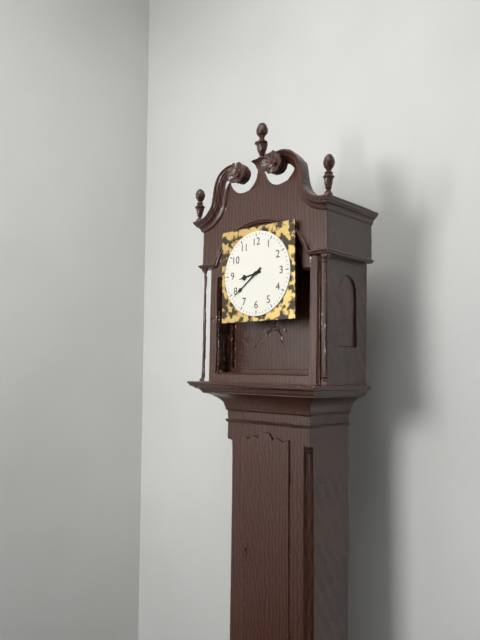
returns 8:39
